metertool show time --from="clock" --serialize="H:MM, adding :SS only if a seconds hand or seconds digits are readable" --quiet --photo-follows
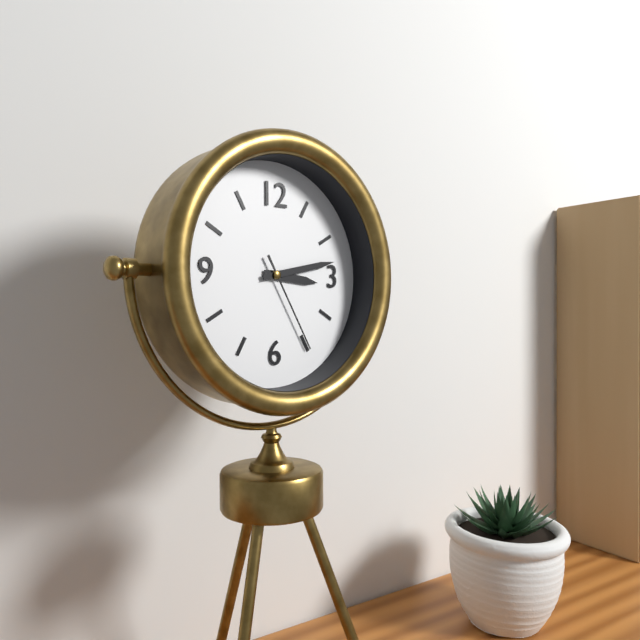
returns 3:13:25
